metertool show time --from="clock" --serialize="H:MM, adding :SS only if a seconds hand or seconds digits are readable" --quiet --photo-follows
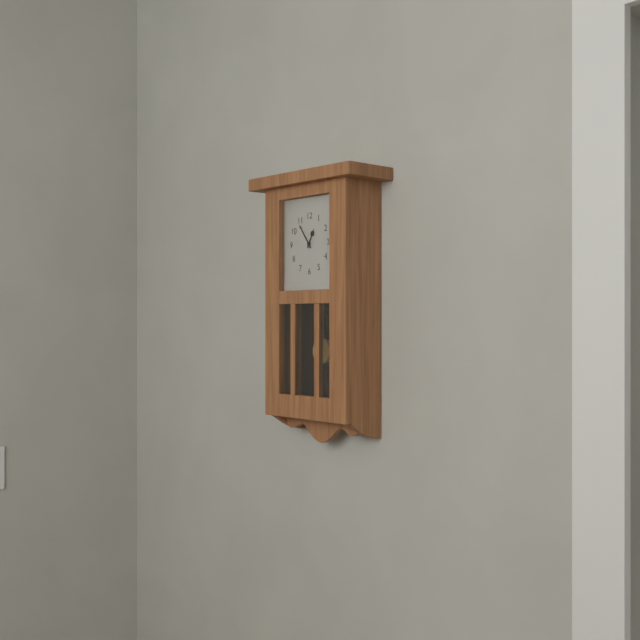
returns 12:54
